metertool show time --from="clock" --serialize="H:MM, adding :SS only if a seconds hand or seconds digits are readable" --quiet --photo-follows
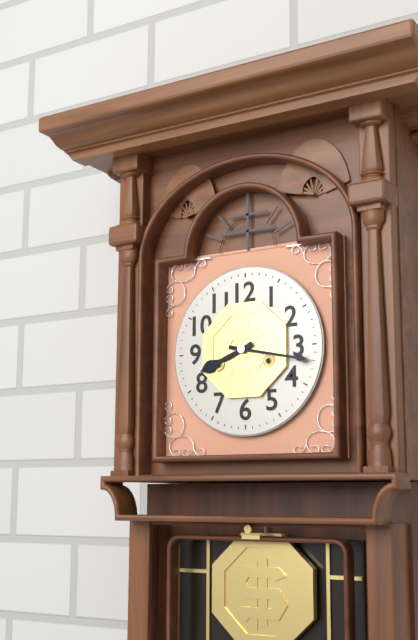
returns 8:17
